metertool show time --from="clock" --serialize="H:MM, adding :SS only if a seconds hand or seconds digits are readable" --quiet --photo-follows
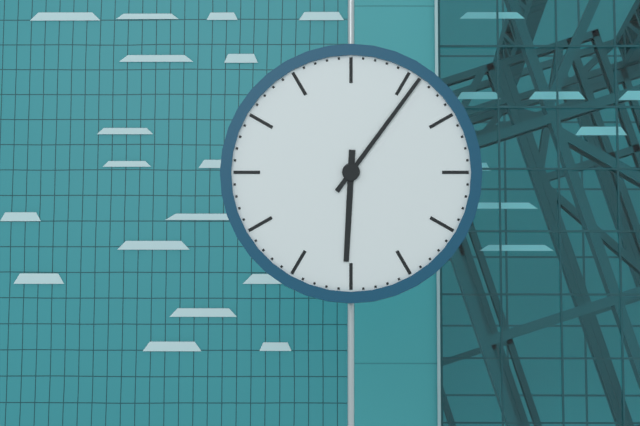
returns 6:06
